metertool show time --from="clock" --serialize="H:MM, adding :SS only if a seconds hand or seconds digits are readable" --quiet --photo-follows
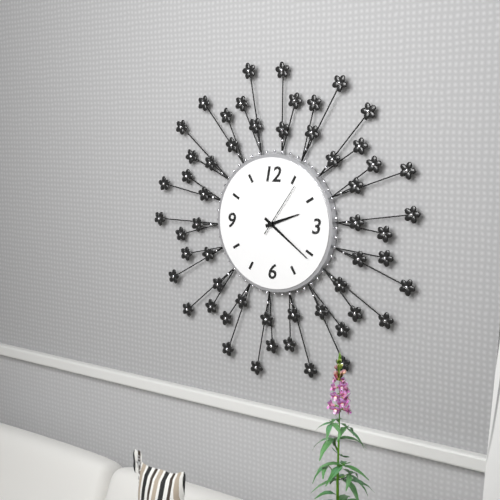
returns 2:21:06
